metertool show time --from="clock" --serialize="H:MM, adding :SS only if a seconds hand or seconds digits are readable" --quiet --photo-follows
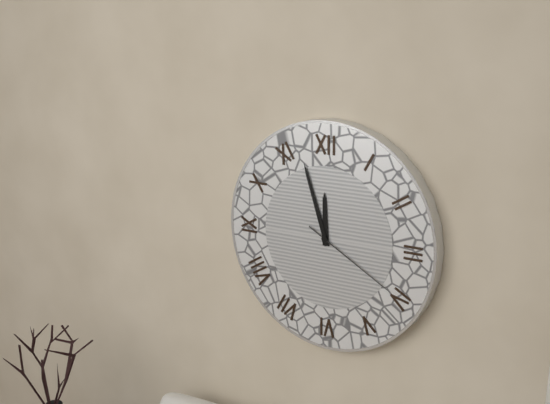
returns 11:57:20
